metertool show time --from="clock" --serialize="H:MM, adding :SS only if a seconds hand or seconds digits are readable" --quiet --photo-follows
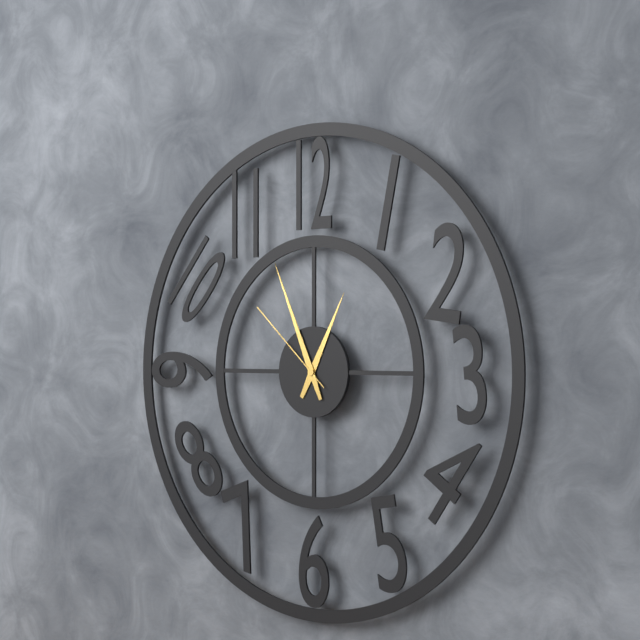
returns 12:56:52
